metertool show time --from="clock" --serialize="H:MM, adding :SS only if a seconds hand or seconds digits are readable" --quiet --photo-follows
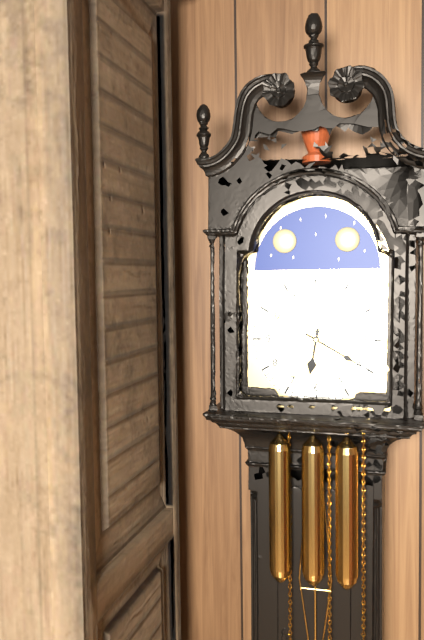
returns 6:20
